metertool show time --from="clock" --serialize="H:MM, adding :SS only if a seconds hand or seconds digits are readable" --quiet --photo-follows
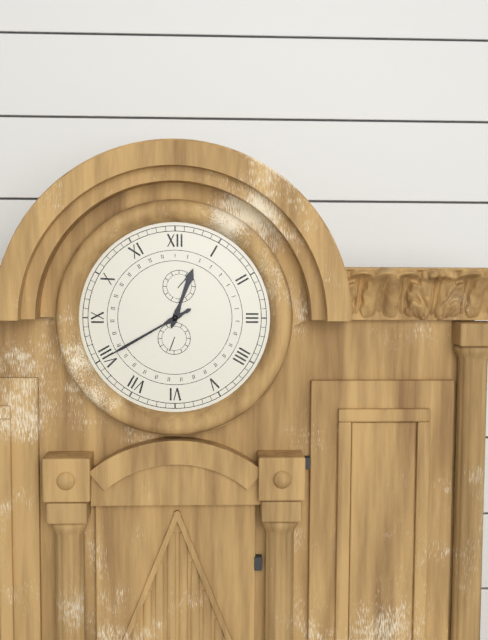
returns 12:40
